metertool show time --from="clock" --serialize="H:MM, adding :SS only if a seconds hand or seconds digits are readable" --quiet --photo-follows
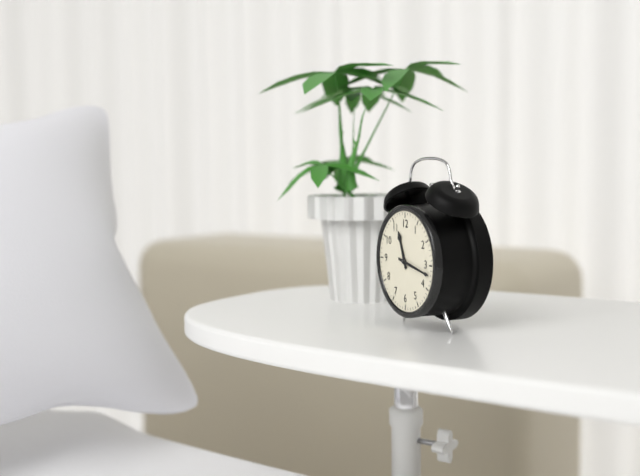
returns 11:17
